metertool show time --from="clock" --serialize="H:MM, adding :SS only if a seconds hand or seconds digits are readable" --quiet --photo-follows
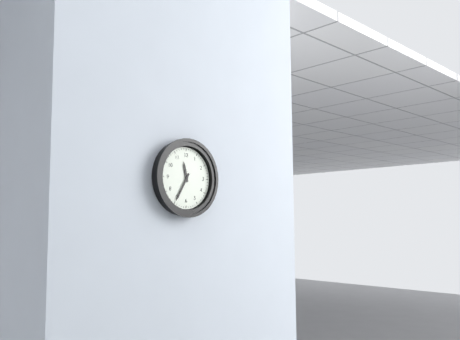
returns 11:35
